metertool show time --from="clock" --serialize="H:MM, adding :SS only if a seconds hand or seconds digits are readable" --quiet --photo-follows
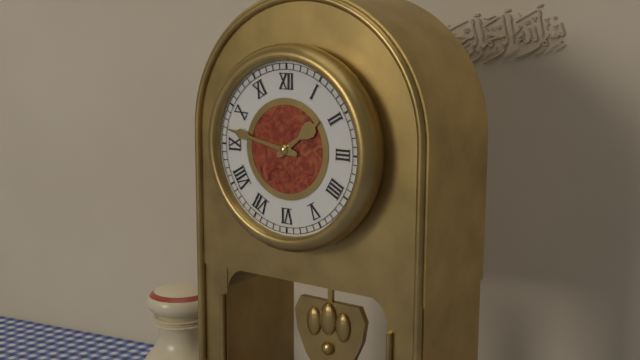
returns 1:47
